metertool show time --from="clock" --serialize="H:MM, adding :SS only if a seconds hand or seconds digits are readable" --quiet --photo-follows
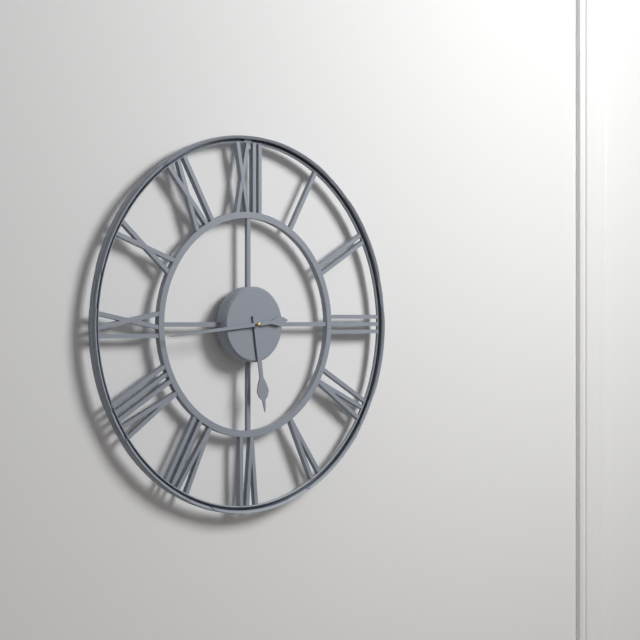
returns 5:44
